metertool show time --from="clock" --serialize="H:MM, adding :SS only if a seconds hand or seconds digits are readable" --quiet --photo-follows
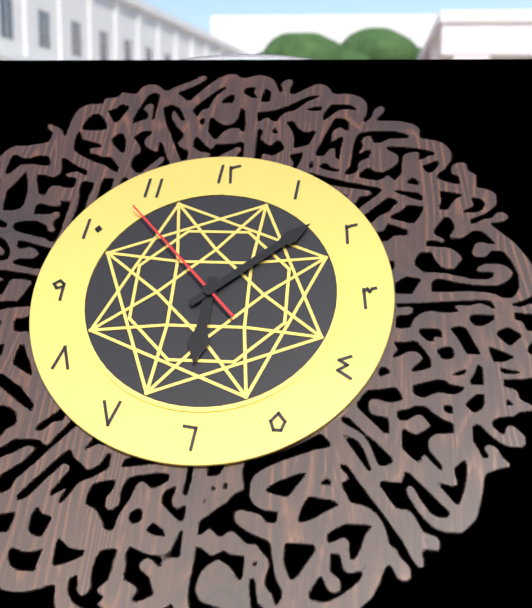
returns 6:08:53
